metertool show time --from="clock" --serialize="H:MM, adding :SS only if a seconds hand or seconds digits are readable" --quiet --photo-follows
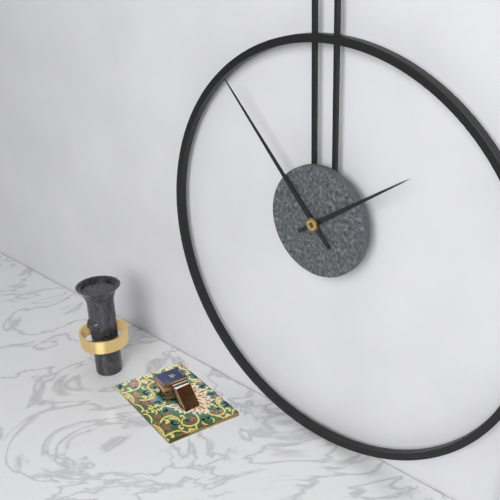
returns 1:53
